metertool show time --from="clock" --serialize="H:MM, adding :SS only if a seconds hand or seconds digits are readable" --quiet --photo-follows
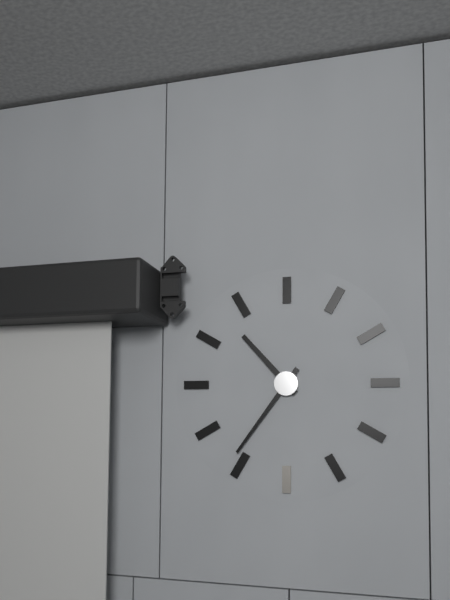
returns 10:36
